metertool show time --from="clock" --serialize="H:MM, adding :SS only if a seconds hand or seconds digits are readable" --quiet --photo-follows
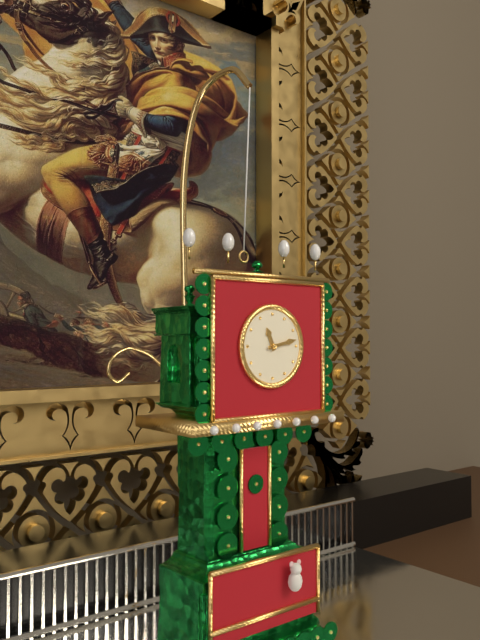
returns 11:13
